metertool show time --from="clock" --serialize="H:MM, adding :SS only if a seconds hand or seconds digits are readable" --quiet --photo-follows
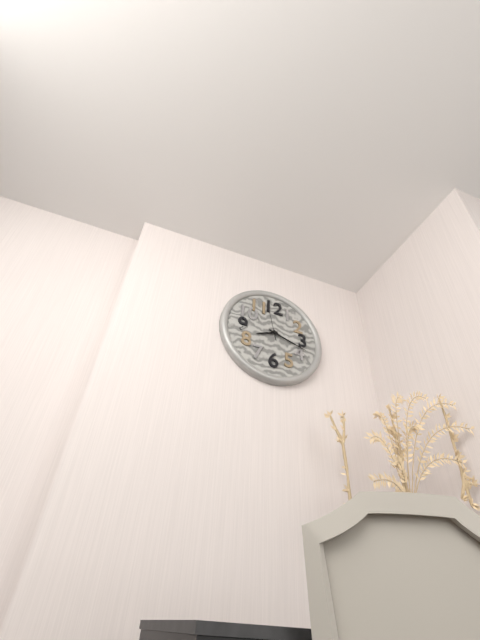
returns 8:18
